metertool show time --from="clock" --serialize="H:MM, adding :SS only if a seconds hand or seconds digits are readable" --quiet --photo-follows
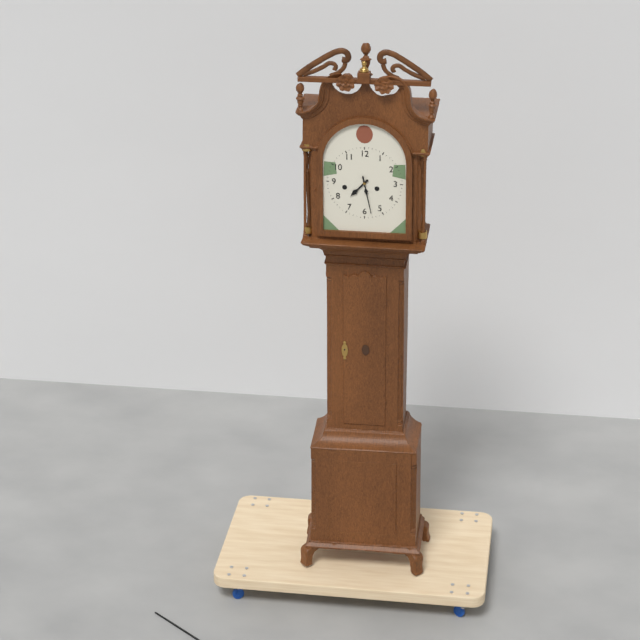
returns 7:28
